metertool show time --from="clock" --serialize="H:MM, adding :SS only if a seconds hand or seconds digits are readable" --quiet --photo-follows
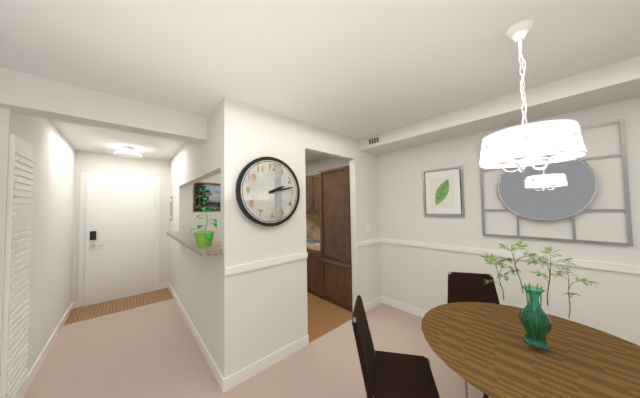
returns 2:13
